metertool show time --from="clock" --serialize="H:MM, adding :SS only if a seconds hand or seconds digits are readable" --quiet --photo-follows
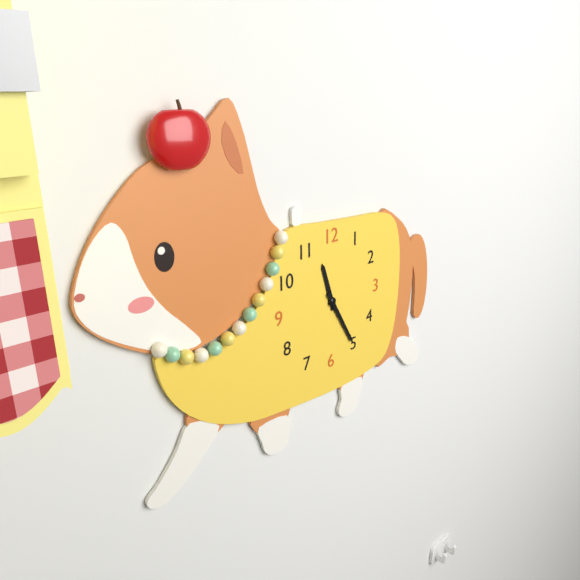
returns 11:25
